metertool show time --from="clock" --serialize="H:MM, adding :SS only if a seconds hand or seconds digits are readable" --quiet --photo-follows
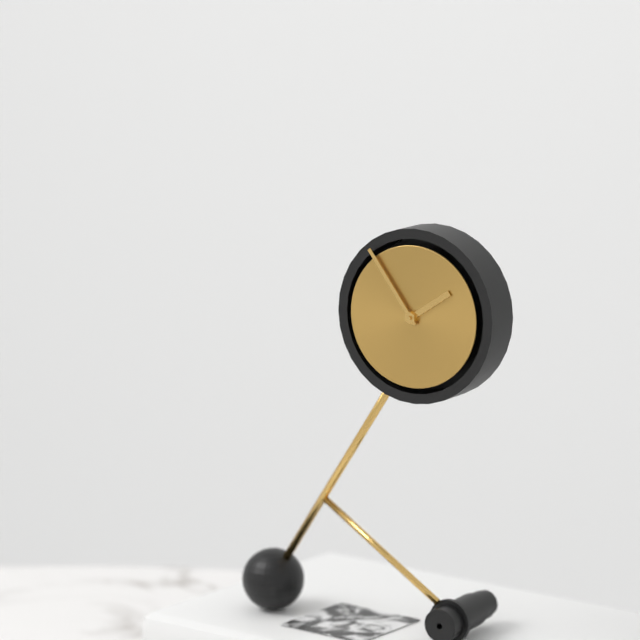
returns 1:54
